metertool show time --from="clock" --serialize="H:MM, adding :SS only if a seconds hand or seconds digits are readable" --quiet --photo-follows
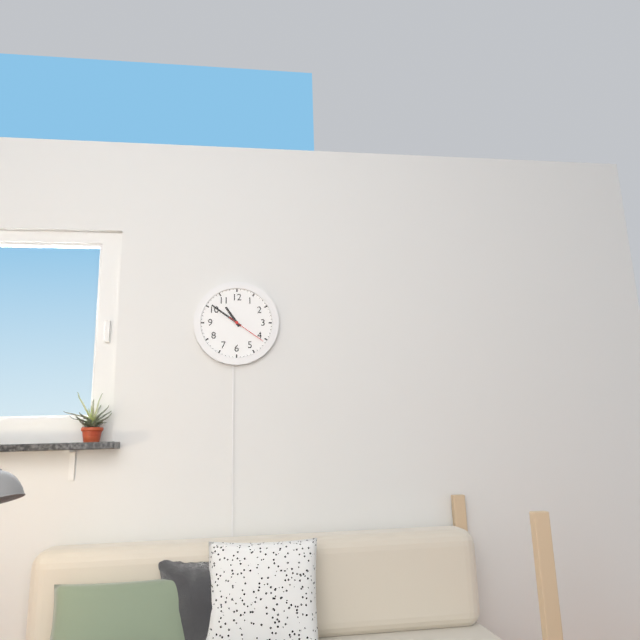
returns 10:51
